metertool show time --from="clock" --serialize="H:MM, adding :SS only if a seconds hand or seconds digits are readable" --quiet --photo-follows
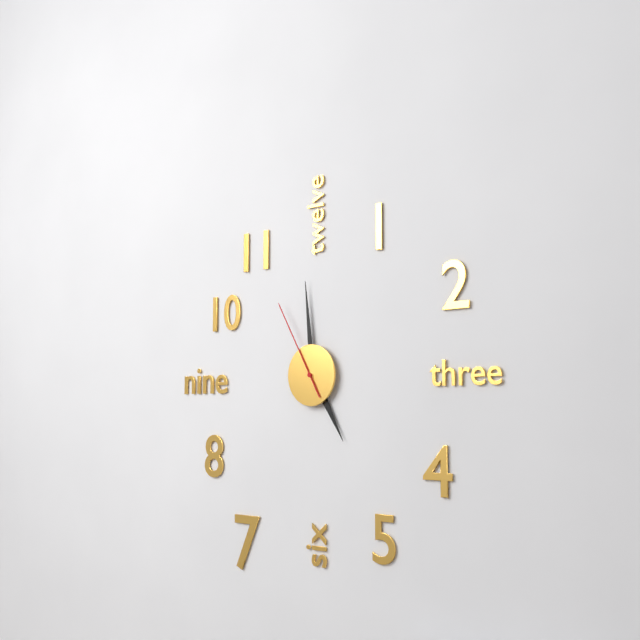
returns 4:59:55
